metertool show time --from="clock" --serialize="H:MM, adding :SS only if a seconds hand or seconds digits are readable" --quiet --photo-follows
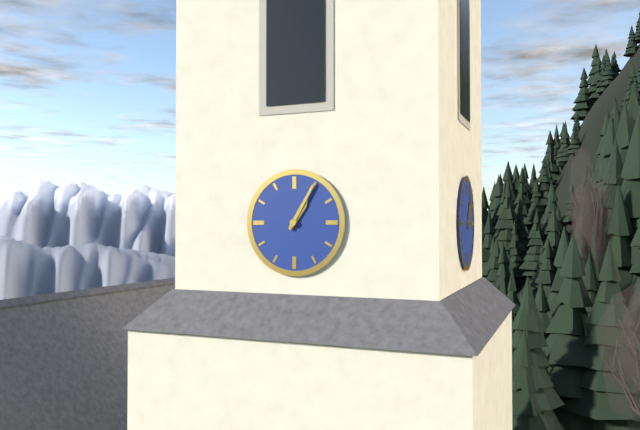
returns 1:05
